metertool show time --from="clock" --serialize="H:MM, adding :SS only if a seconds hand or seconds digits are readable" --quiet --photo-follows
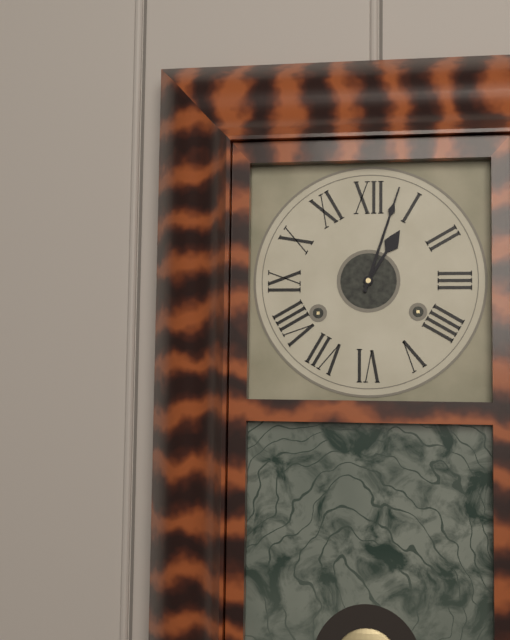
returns 1:03
